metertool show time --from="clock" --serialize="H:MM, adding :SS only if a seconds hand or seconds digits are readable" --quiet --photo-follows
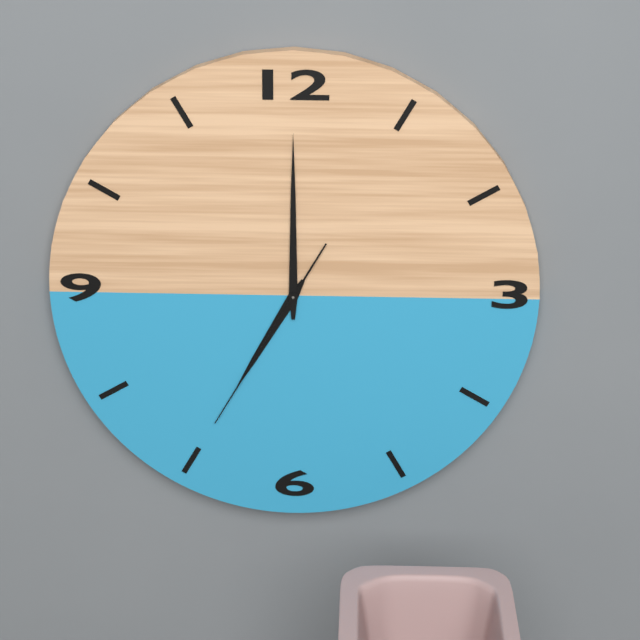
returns 7:00:35
